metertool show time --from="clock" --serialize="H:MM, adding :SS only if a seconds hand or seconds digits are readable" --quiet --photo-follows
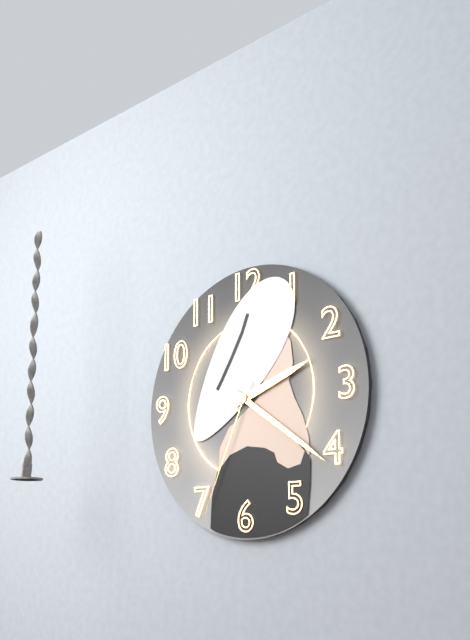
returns 2:21:34
